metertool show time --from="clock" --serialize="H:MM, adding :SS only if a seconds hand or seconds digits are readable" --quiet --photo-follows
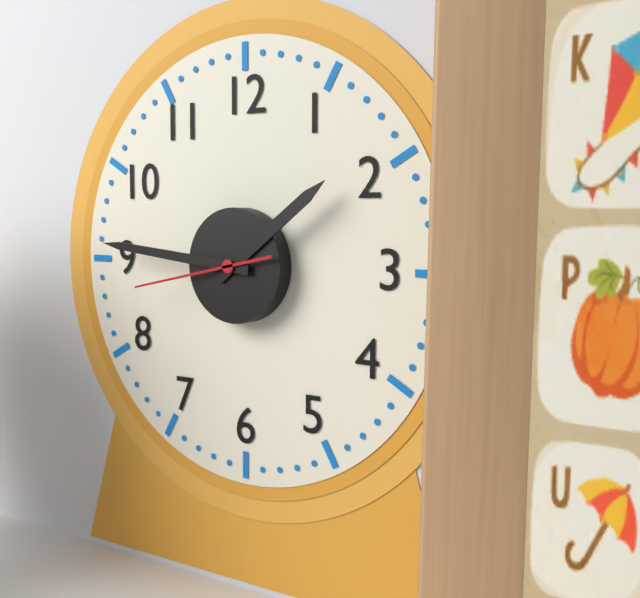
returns 1:46:43
